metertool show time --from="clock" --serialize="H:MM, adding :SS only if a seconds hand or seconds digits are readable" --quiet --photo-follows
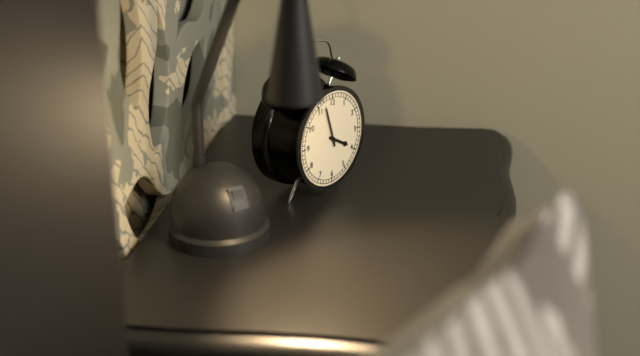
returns 3:57
